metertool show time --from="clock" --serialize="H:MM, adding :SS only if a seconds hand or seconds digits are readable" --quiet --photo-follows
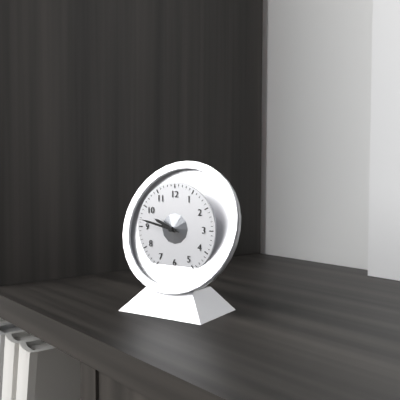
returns 9:47
